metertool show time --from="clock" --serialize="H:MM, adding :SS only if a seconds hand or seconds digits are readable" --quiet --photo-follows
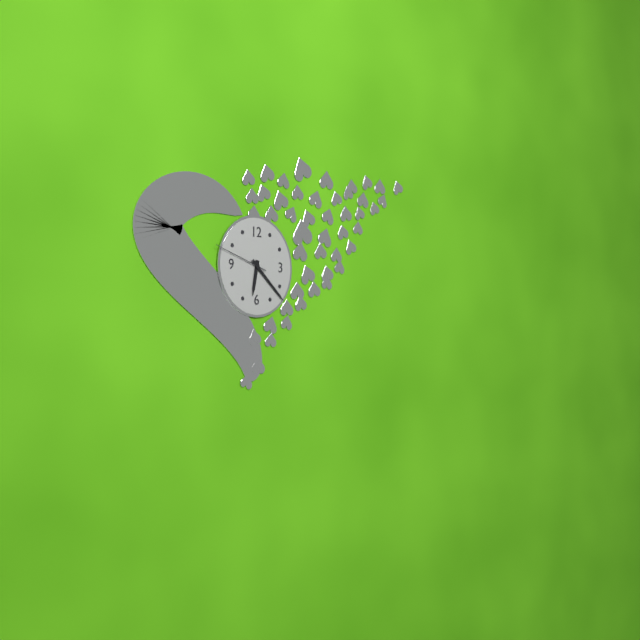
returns 6:22:48
